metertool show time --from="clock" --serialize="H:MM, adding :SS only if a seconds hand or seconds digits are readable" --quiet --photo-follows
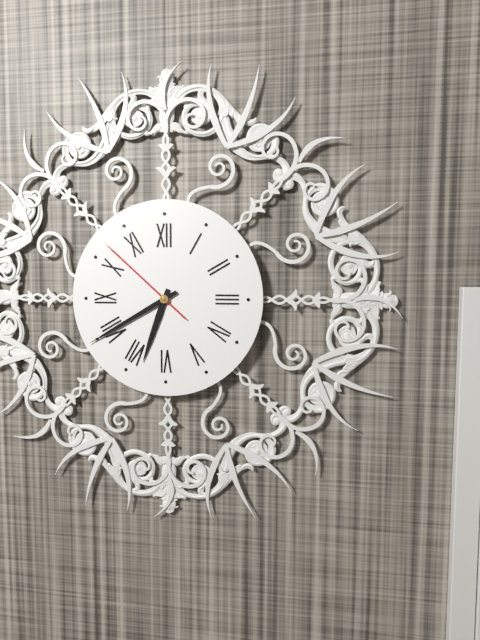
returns 6:40:52
